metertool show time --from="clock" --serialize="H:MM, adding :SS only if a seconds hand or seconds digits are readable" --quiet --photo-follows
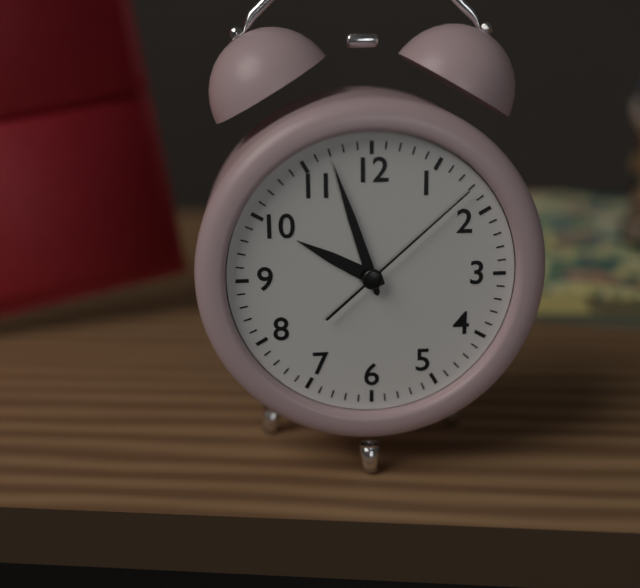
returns 9:57:08
